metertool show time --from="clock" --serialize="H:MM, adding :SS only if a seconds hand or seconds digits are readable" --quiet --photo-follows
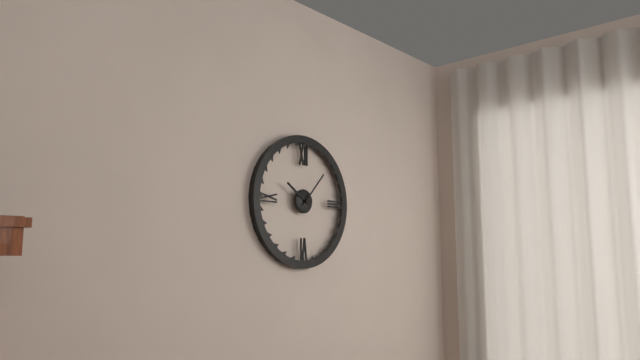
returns 10:07
